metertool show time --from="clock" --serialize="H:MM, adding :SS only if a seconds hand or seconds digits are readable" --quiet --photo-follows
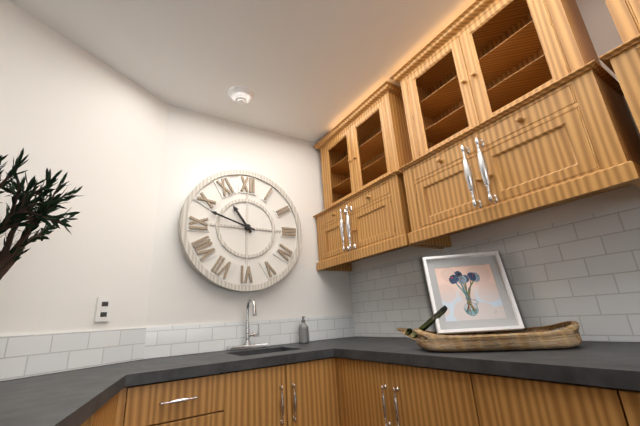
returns 10:48
